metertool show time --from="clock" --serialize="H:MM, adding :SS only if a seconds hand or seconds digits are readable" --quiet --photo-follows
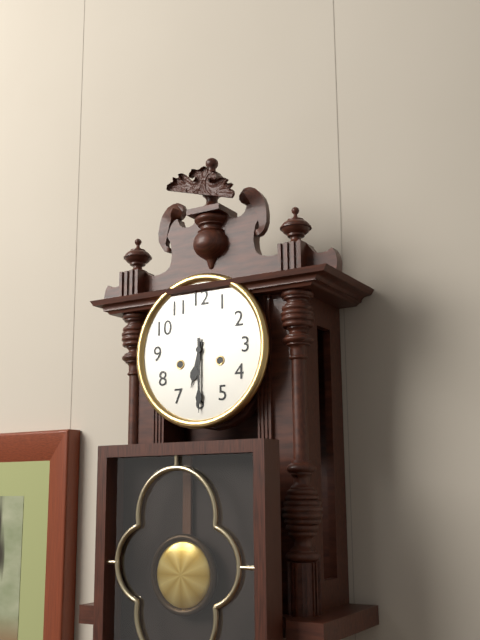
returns 6:30
